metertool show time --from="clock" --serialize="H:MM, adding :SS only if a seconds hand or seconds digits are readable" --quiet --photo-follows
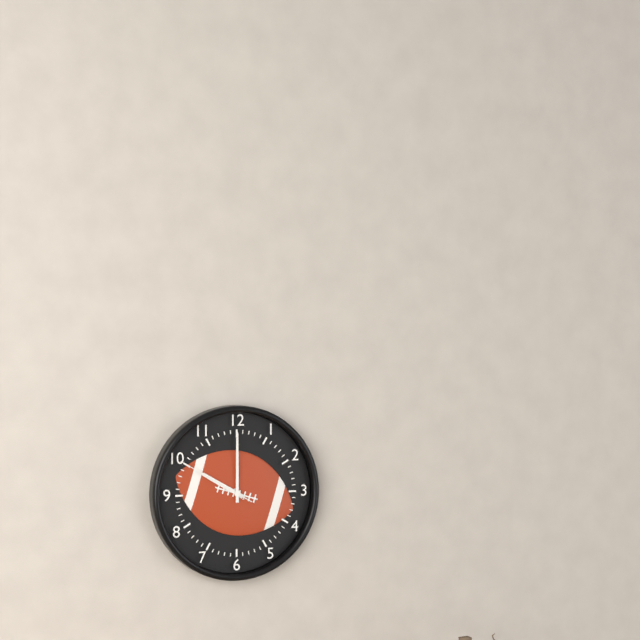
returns 10:00:50
